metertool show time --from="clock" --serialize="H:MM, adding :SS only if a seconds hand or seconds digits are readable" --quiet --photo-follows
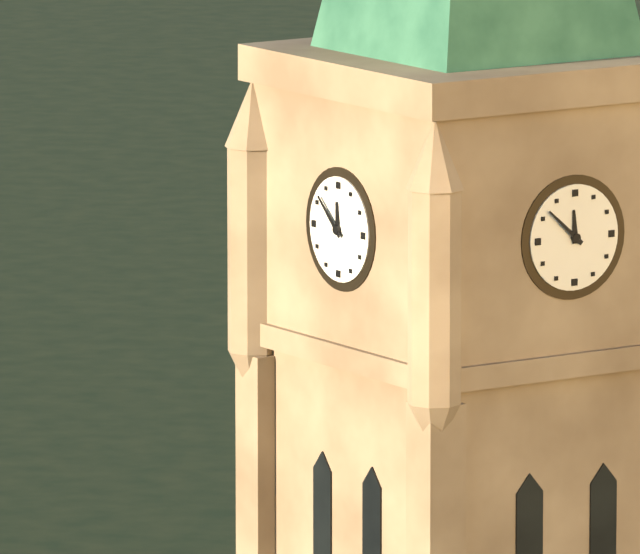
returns 11:52
